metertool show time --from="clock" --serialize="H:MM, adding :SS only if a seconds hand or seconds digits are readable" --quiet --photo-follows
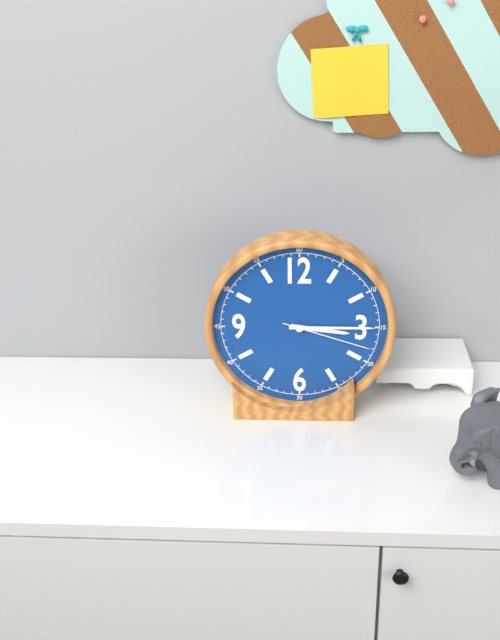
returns 3:15:18
